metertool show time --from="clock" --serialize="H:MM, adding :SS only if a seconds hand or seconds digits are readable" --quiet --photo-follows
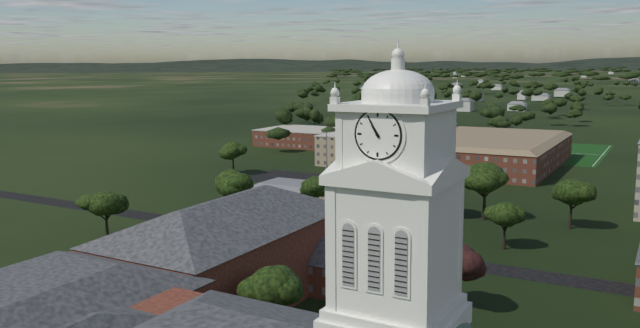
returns 10:55
